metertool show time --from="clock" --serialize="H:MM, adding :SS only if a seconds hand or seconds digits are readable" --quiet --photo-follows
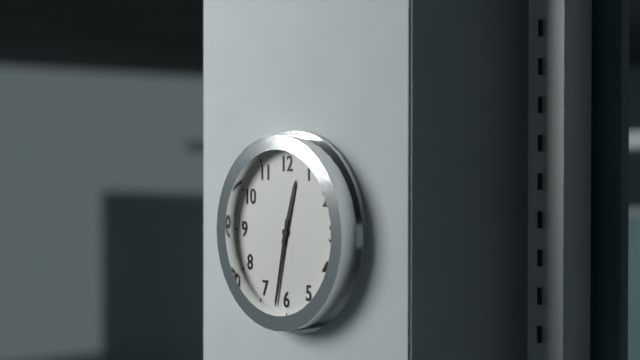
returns 12:32
